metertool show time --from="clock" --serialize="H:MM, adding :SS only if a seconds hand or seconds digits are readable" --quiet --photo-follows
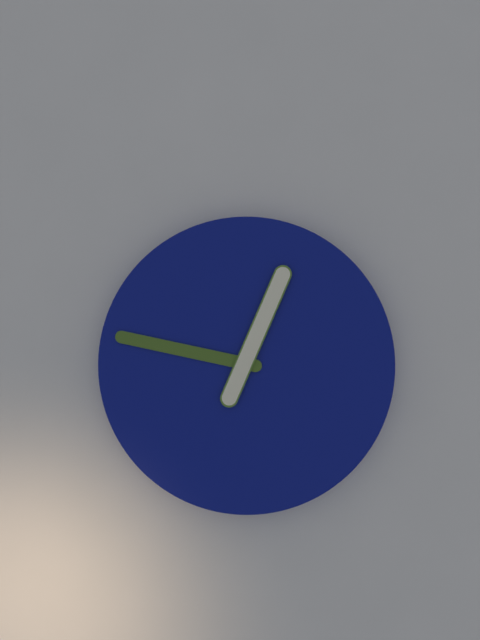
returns 12:47
